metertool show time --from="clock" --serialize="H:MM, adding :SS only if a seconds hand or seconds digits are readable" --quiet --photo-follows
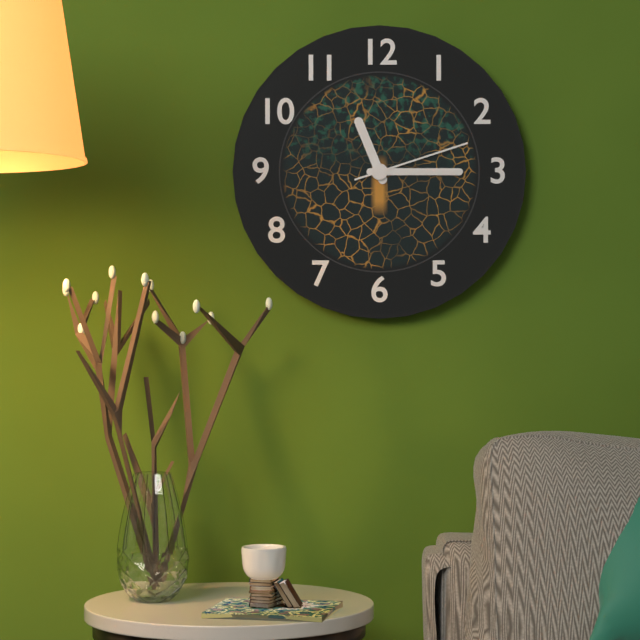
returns 11:15:12
